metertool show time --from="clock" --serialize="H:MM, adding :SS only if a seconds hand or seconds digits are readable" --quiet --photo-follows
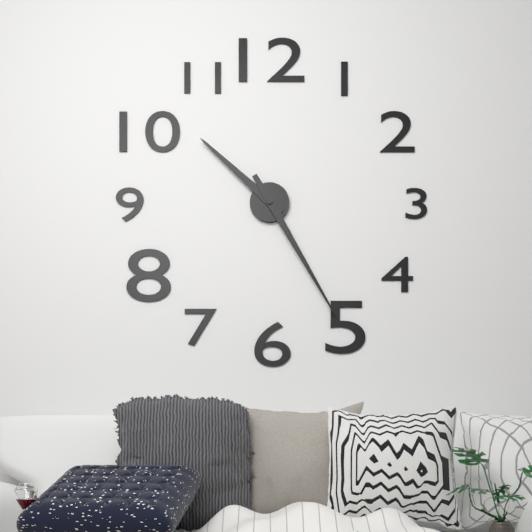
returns 10:25
